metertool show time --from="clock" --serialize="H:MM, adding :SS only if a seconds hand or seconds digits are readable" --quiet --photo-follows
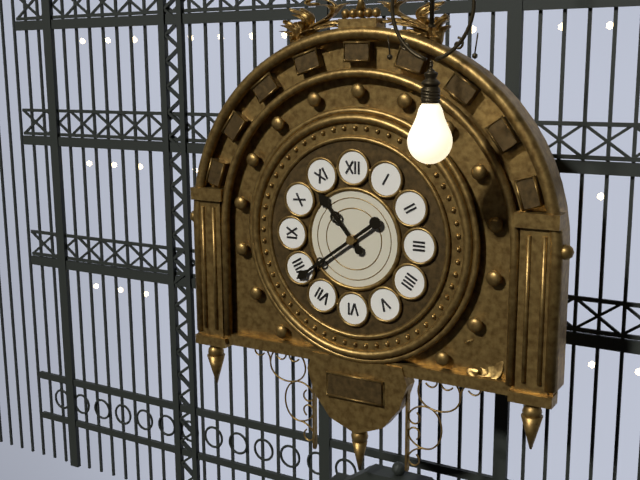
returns 10:39
